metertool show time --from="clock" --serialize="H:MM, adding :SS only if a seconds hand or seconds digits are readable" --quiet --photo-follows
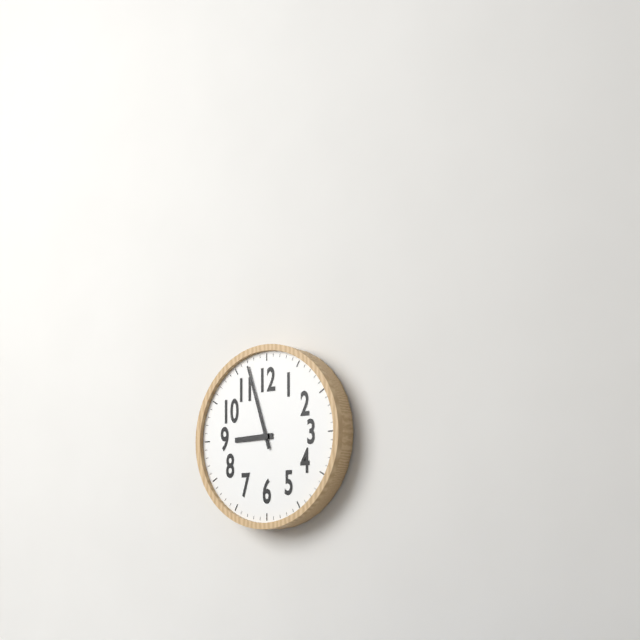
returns 8:57
